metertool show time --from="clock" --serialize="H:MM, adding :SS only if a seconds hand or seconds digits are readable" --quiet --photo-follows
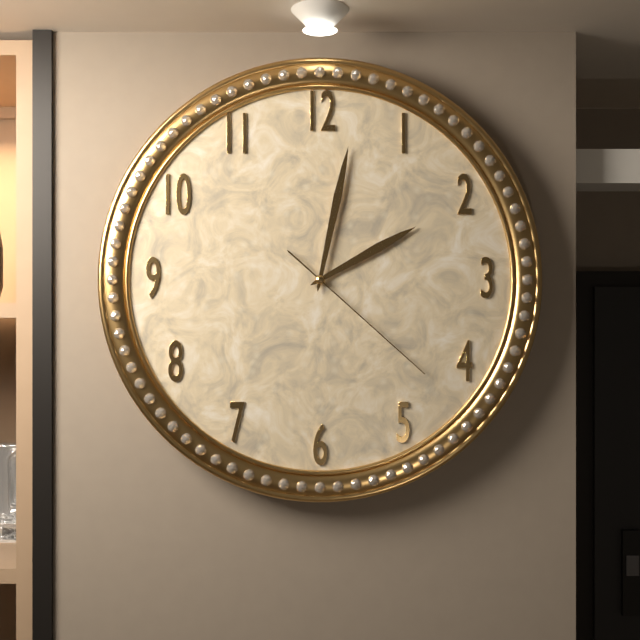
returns 2:02:22
